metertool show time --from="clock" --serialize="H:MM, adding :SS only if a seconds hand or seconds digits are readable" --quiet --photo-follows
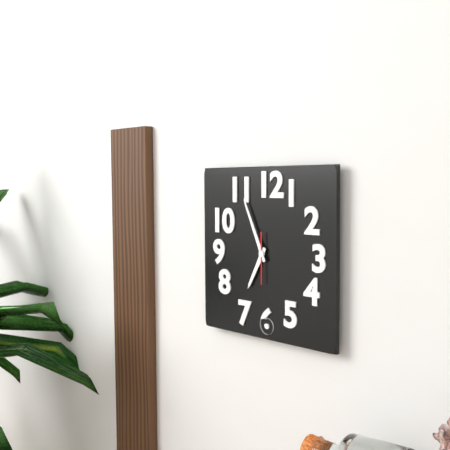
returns 6:56
